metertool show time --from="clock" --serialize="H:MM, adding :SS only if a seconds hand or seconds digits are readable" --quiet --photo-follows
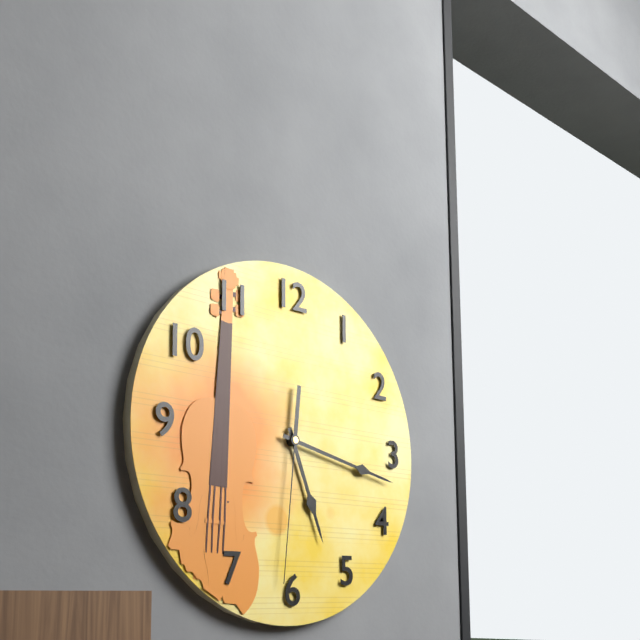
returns 5:17:31
